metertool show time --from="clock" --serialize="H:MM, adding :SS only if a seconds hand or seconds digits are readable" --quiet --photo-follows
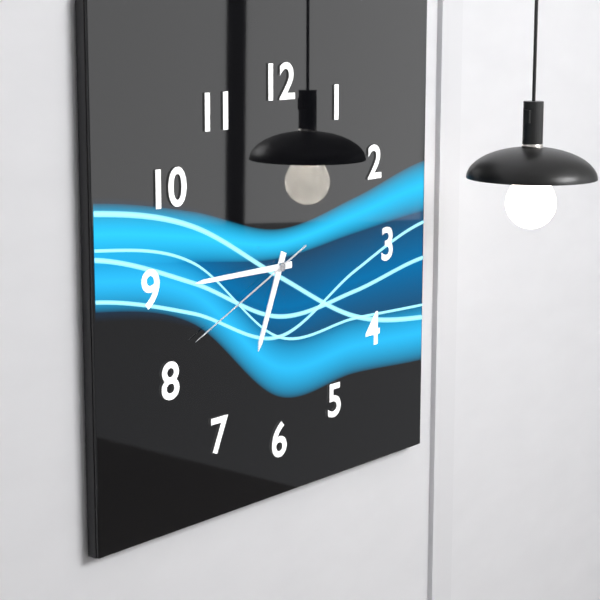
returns 6:45:41
